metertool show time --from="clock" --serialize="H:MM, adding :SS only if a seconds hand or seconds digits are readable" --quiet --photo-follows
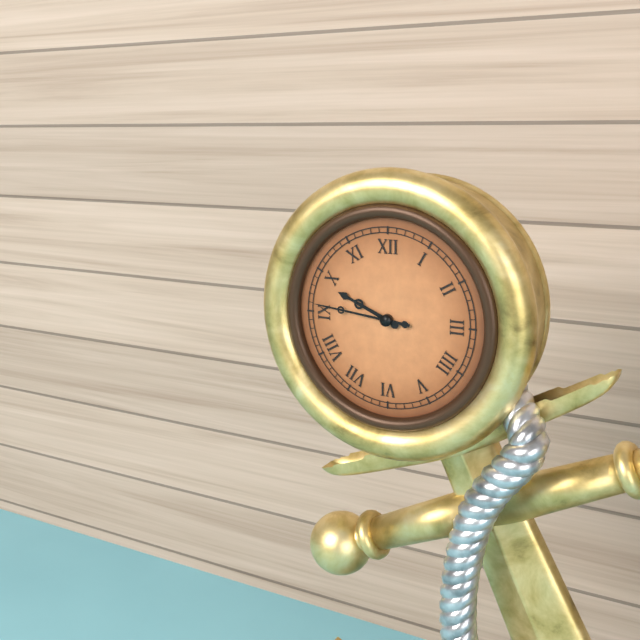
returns 9:46
